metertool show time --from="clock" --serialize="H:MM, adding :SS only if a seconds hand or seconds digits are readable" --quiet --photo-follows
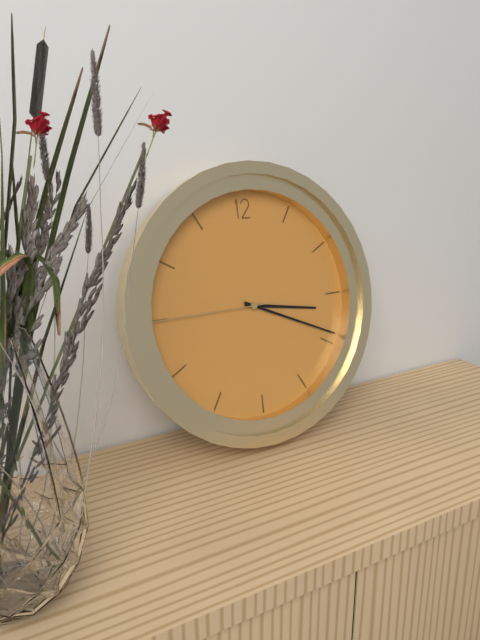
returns 3:19:45
